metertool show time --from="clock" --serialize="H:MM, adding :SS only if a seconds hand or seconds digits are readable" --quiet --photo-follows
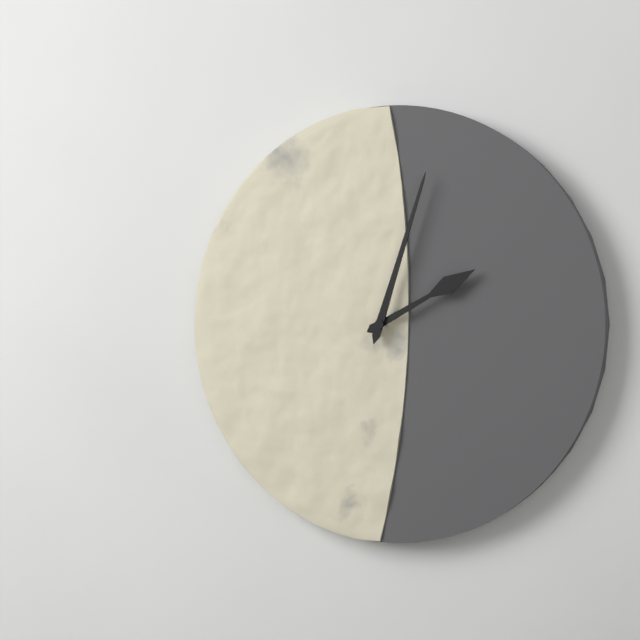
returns 2:03
